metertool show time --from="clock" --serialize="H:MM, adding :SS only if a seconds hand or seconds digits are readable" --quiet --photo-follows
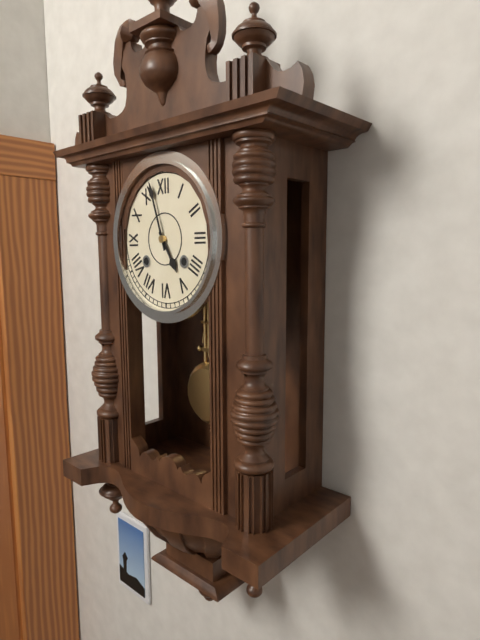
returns 4:57
